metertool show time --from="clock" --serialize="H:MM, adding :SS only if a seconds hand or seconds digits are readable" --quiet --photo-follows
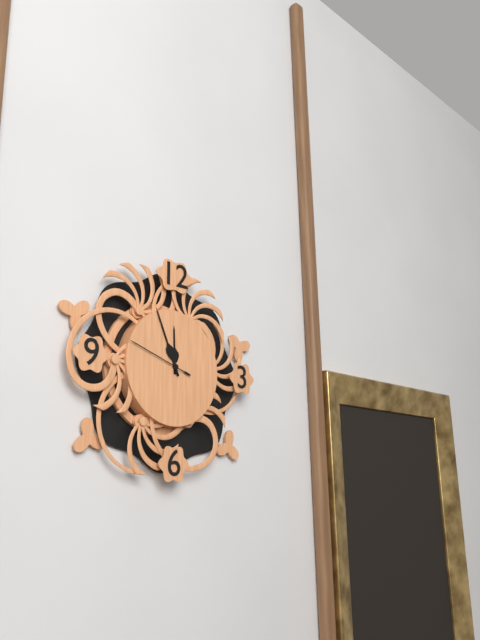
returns 11:56:48
